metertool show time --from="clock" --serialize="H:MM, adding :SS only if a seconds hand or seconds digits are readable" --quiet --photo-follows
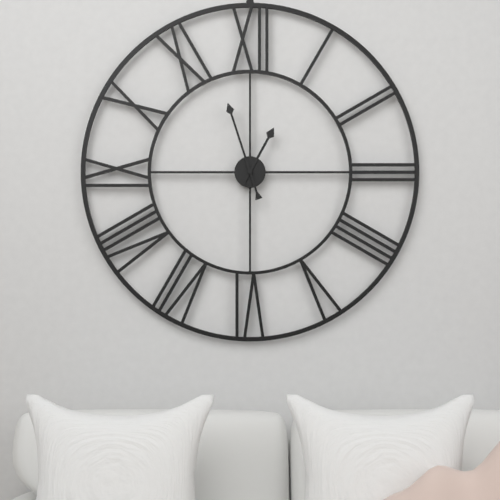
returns 12:57
